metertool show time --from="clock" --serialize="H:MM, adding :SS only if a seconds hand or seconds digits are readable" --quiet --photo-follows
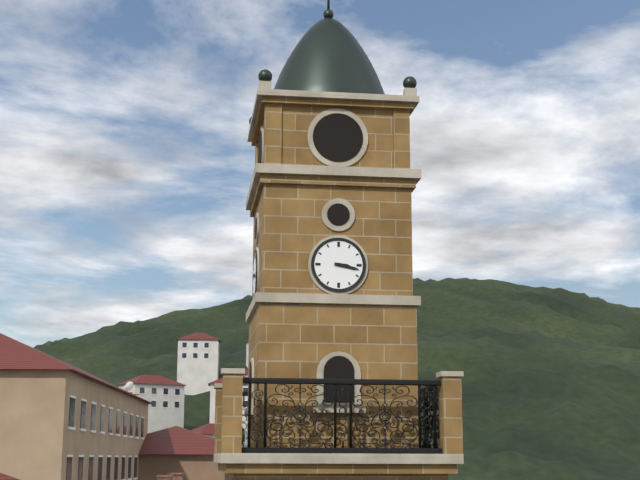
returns 3:17
